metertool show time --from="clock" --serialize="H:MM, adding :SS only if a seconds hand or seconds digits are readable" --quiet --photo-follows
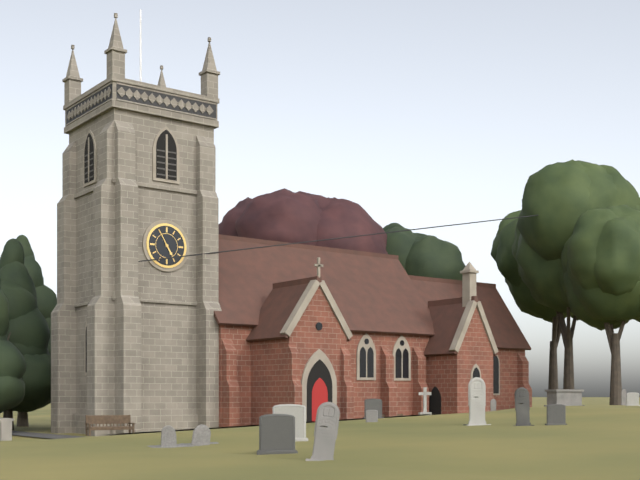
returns 4:55
